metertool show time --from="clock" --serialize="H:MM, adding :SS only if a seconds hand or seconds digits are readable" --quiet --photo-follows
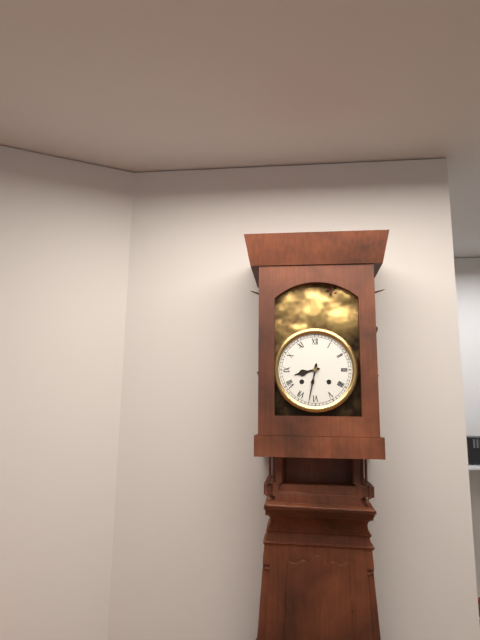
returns 8:32
